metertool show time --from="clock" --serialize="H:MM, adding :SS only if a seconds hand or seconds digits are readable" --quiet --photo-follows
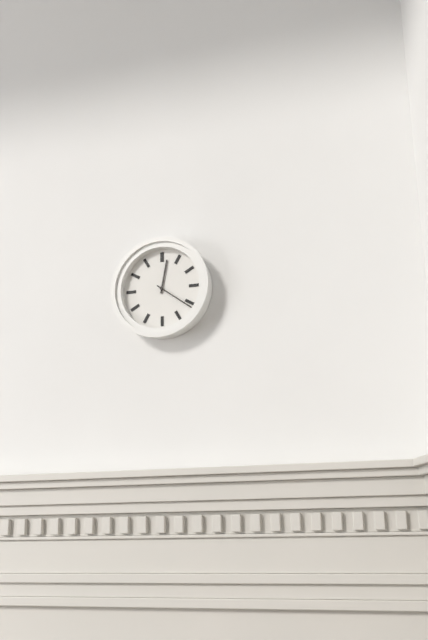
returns 12:21
